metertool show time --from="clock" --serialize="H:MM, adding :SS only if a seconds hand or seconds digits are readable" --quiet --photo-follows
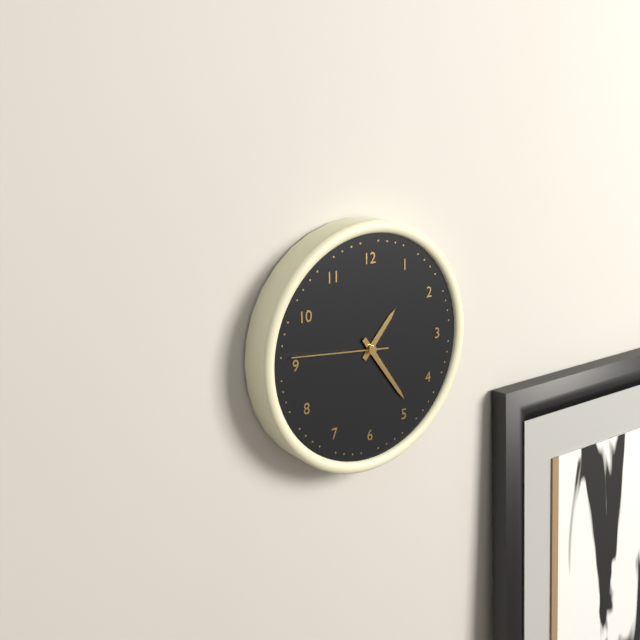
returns 1:24:46
